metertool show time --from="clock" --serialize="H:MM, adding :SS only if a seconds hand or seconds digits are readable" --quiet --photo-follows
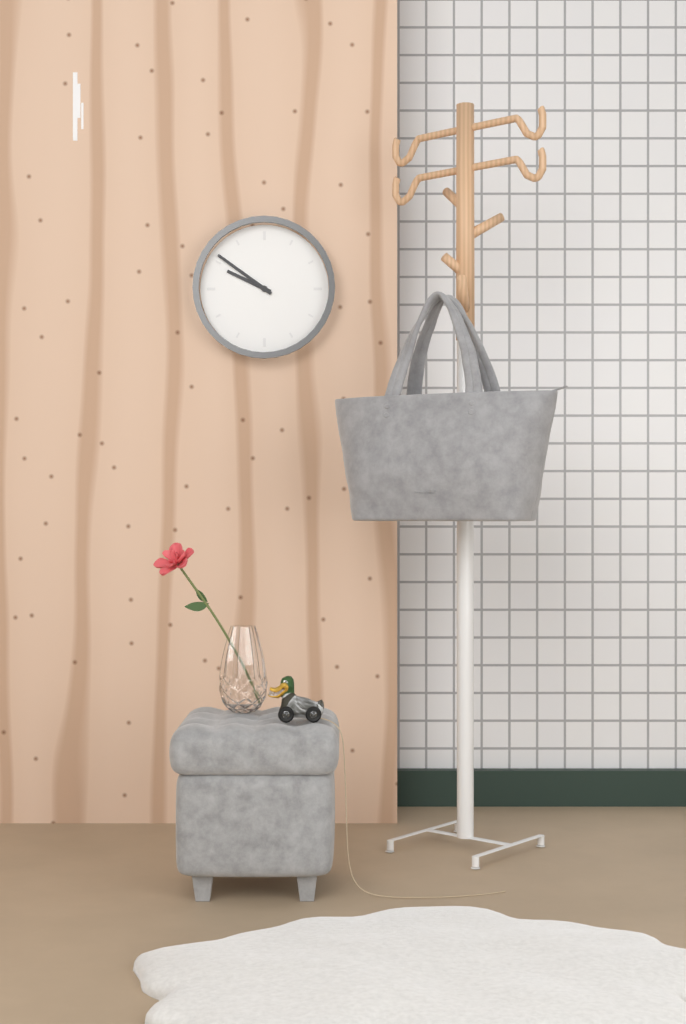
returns 9:51
